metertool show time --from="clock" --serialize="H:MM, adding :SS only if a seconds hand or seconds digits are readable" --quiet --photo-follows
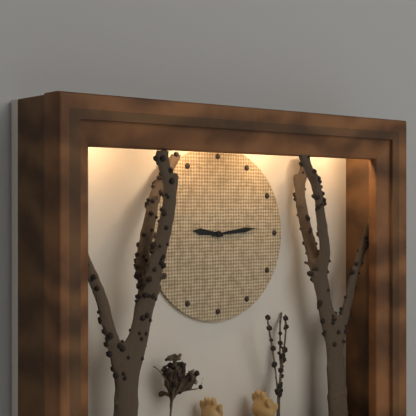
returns 9:14
